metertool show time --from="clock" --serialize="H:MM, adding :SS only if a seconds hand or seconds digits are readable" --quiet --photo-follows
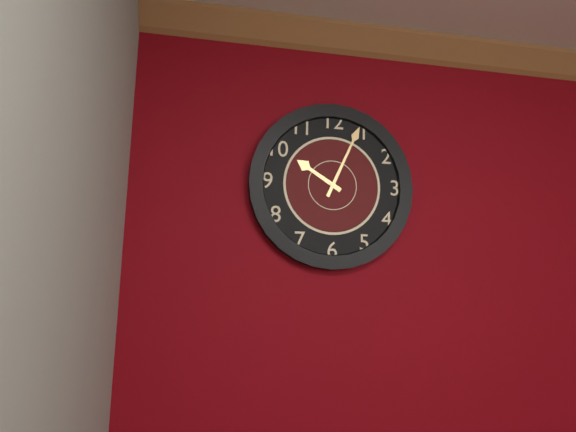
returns 10:04
